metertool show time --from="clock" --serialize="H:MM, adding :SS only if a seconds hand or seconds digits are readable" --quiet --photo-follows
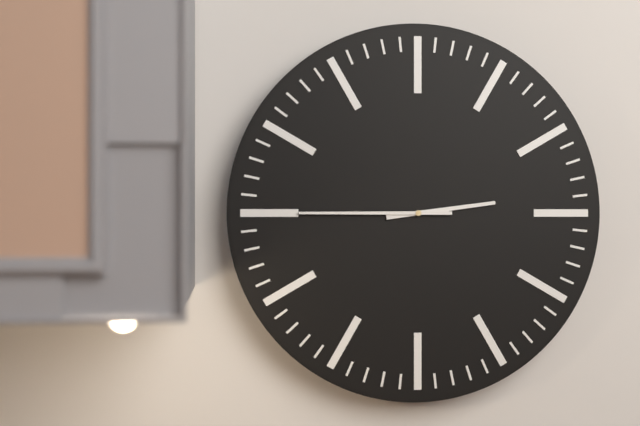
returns 2:45
